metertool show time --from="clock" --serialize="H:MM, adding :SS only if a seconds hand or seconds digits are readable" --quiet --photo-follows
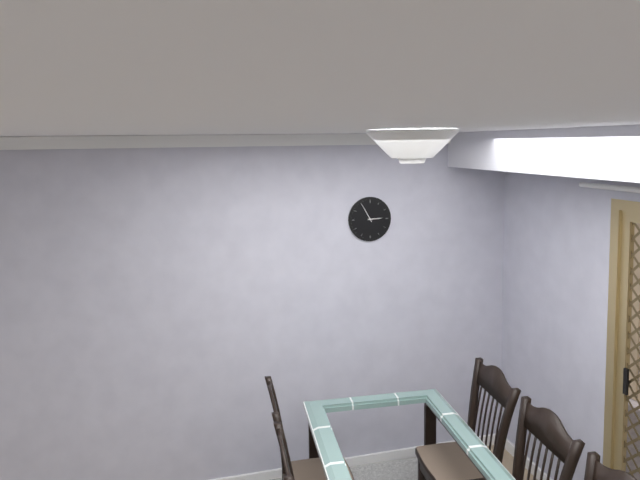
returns 2:55
